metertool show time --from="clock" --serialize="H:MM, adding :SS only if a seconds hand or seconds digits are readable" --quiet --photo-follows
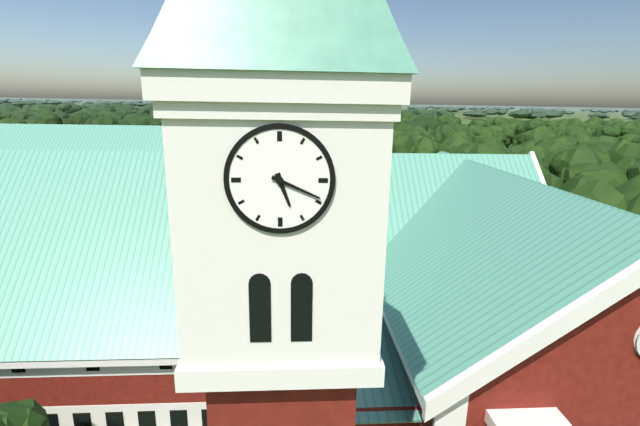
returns 5:19
